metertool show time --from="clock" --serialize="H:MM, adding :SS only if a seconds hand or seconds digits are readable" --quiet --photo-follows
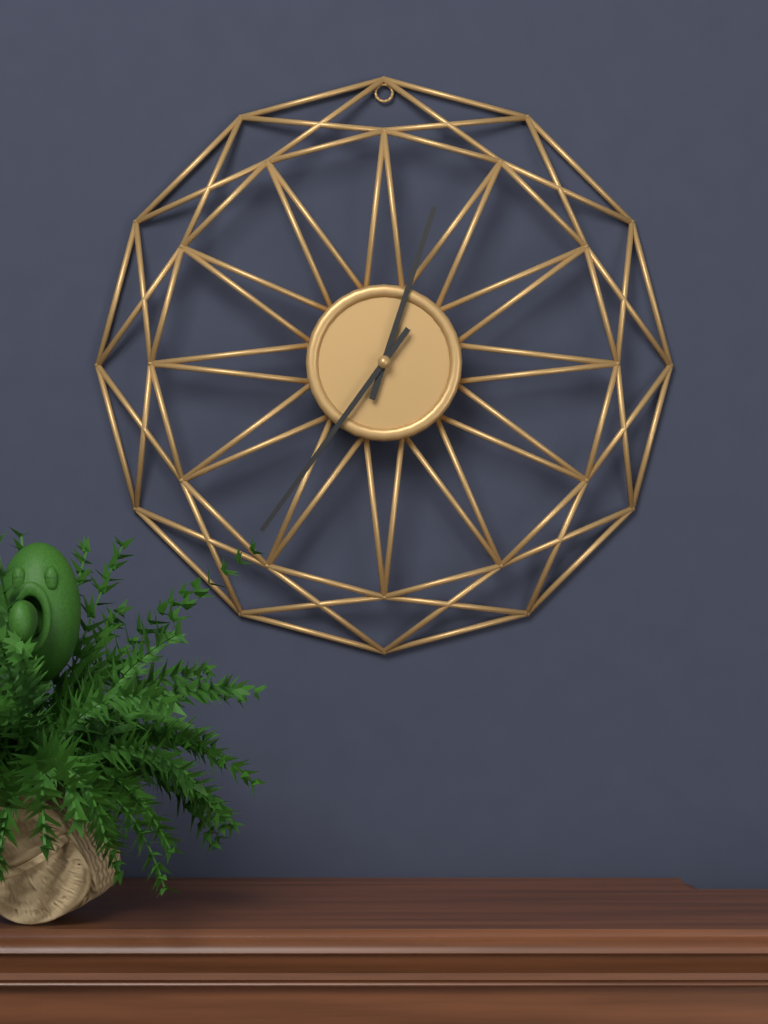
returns 12:36
